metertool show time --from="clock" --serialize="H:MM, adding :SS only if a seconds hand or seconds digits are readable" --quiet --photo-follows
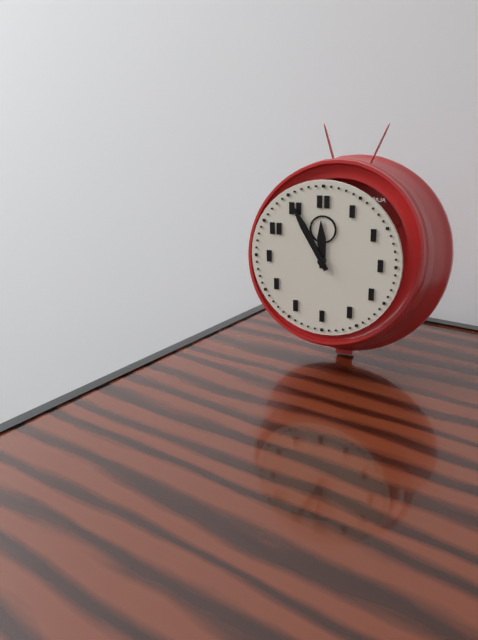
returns 11:55
